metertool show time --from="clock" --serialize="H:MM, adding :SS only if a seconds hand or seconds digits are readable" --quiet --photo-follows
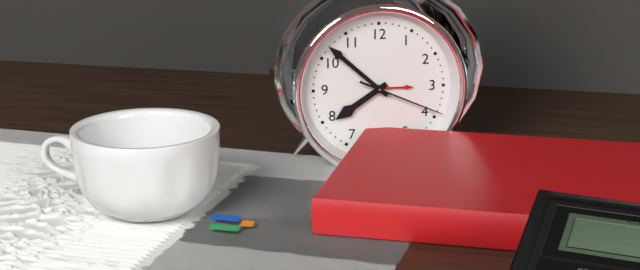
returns 7:52:19
